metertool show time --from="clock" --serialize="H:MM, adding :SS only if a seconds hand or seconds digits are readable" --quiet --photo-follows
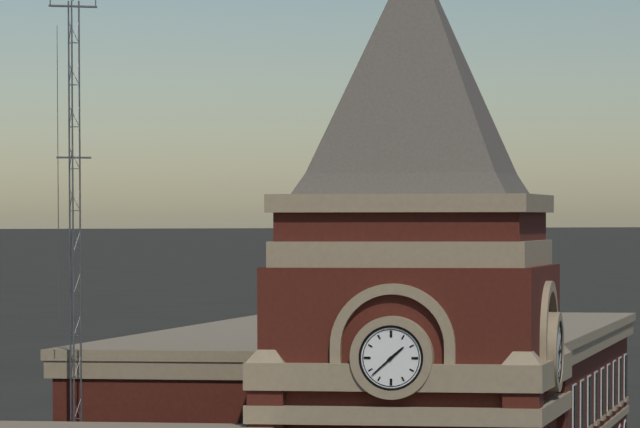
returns 1:38
